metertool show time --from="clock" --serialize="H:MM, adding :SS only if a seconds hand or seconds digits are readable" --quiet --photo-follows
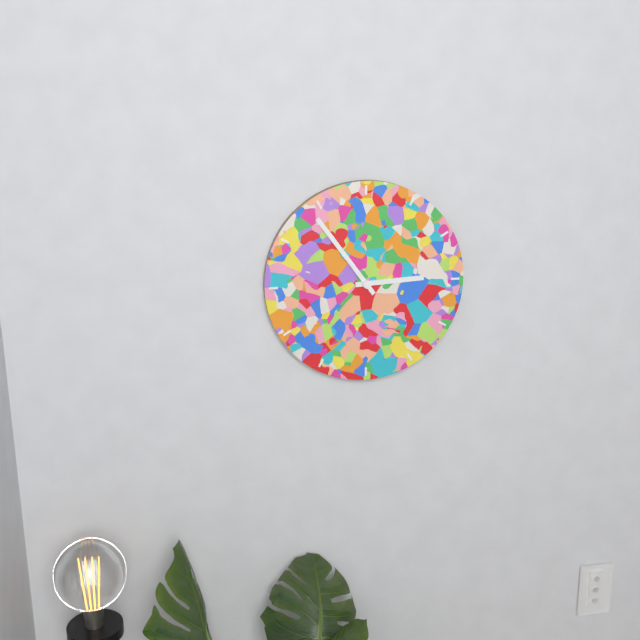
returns 2:54
